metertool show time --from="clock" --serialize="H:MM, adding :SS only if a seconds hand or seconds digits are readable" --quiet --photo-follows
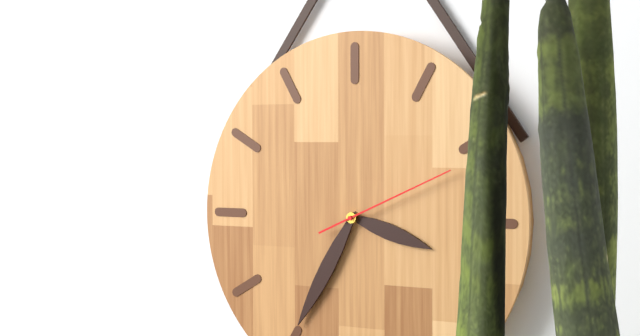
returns 3:35:11
